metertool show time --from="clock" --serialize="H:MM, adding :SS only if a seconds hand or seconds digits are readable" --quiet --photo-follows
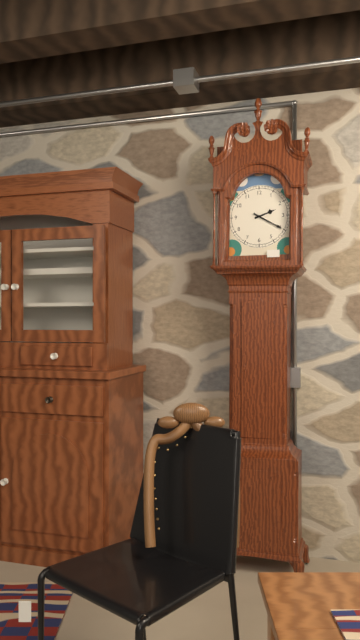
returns 2:20
